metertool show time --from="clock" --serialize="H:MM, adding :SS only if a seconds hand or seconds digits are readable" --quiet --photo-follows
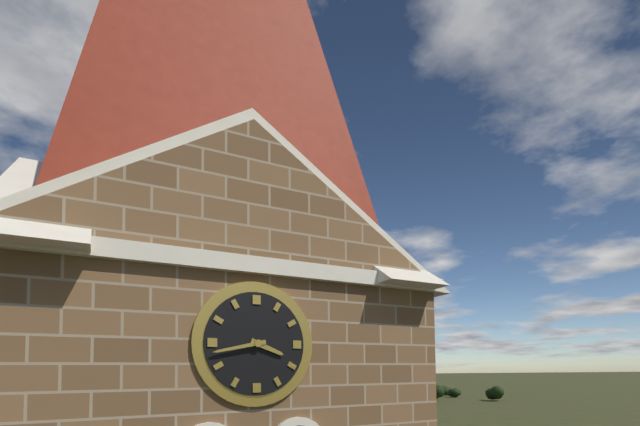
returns 3:43
